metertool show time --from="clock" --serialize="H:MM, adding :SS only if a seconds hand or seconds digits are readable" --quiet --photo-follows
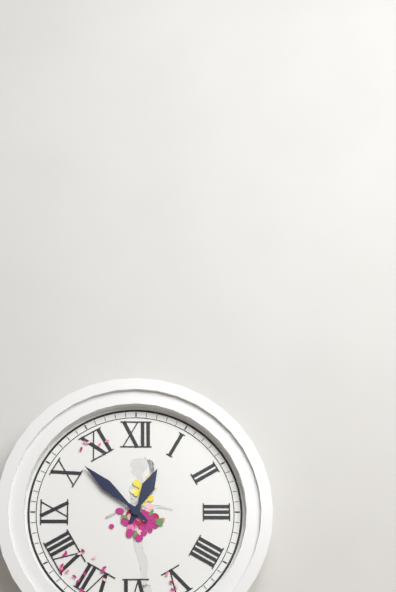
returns 12:52
